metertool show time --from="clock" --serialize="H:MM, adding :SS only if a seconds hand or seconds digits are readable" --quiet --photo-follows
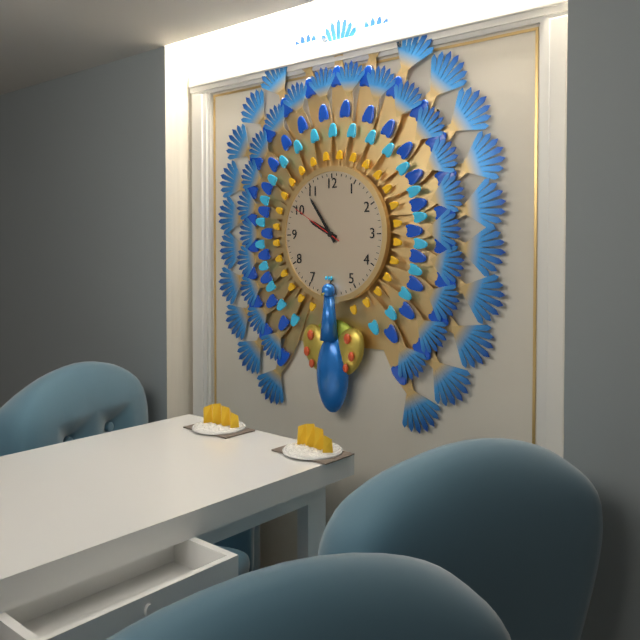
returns 9:54:50
